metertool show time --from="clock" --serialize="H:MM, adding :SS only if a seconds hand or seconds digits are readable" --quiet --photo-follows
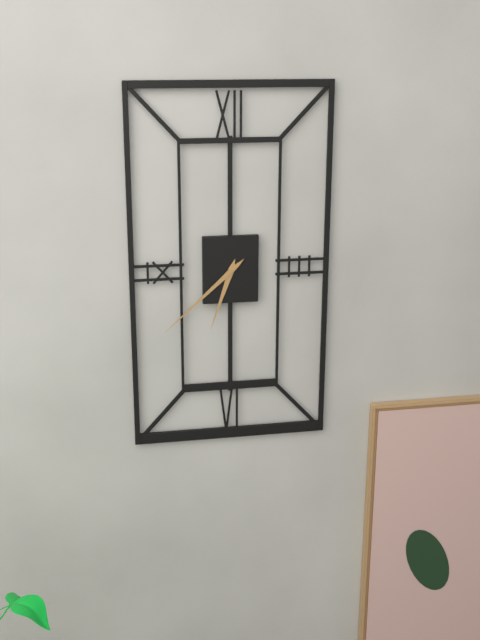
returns 6:38
